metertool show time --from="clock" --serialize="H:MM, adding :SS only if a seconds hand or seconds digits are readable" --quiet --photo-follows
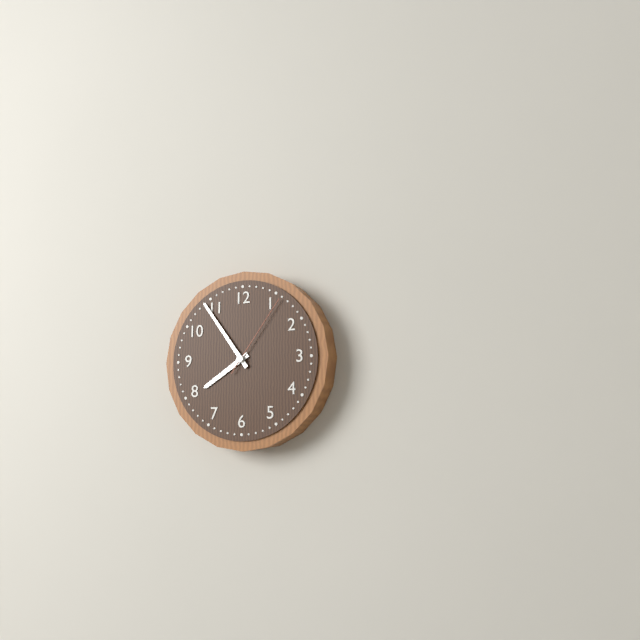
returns 7:54:06
